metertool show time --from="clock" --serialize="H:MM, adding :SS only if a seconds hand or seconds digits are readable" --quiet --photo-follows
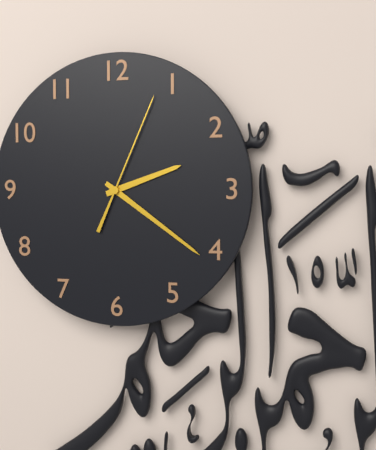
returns 2:21:04
